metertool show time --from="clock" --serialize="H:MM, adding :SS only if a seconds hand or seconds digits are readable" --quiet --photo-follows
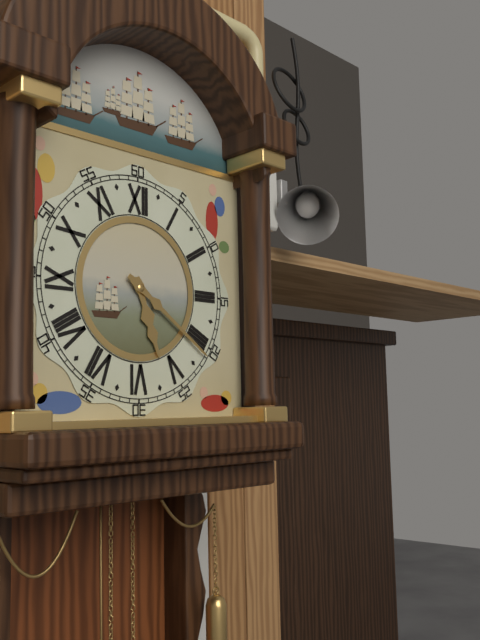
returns 5:21
